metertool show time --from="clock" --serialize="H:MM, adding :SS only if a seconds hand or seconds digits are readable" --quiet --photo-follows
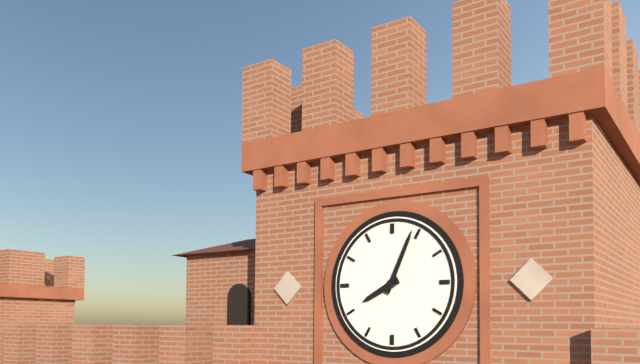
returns 8:04
